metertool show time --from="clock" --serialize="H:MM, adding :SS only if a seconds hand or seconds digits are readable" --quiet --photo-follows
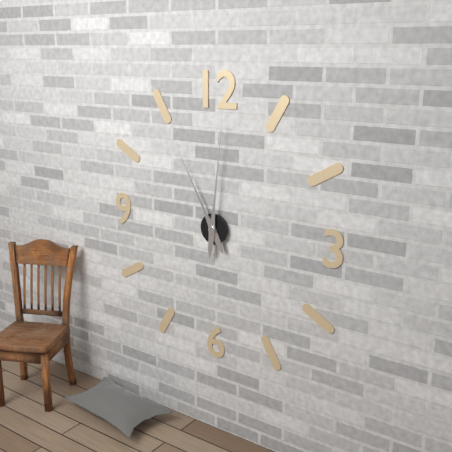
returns 11:01
